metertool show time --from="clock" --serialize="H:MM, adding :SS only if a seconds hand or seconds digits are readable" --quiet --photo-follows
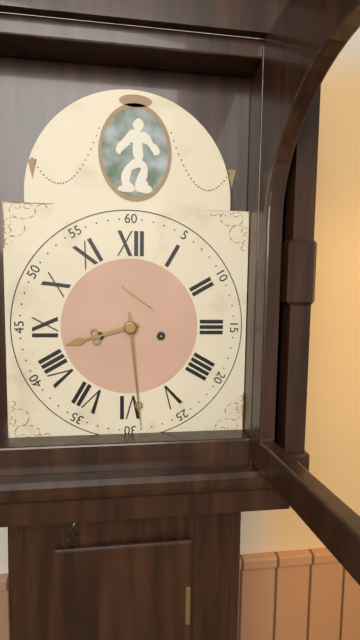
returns 8:29
